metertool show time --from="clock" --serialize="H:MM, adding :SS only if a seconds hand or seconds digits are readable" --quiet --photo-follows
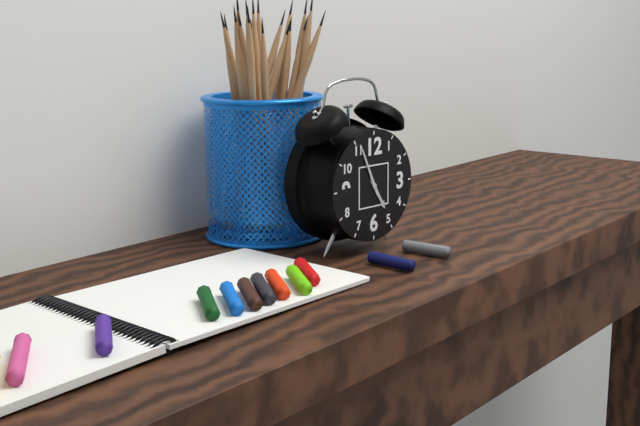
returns 4:56
